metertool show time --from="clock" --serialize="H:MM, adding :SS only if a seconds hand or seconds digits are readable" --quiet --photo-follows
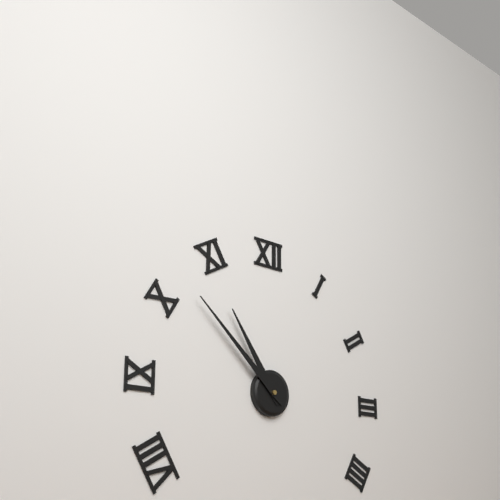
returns 10:52
